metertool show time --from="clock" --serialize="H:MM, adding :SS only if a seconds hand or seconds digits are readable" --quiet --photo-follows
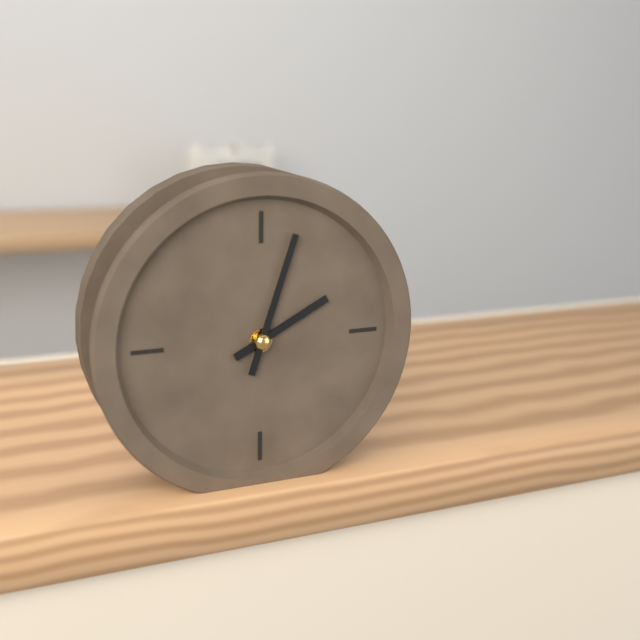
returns 2:03
